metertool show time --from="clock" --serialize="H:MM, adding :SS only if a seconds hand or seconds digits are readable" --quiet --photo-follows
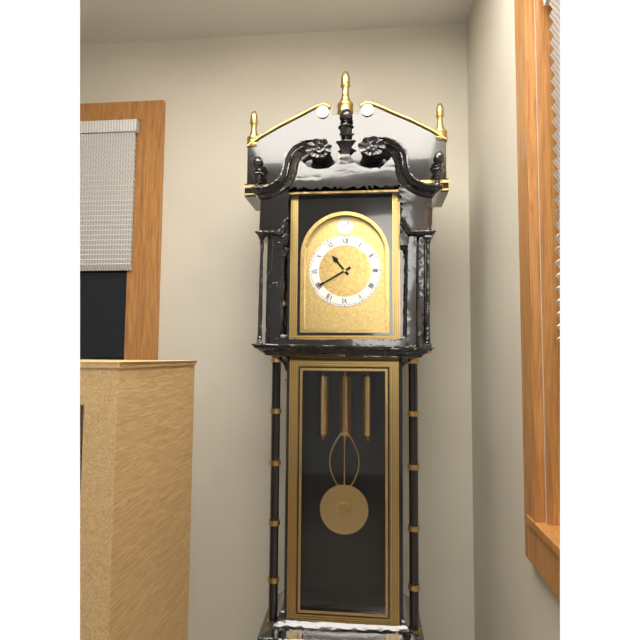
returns 10:40
